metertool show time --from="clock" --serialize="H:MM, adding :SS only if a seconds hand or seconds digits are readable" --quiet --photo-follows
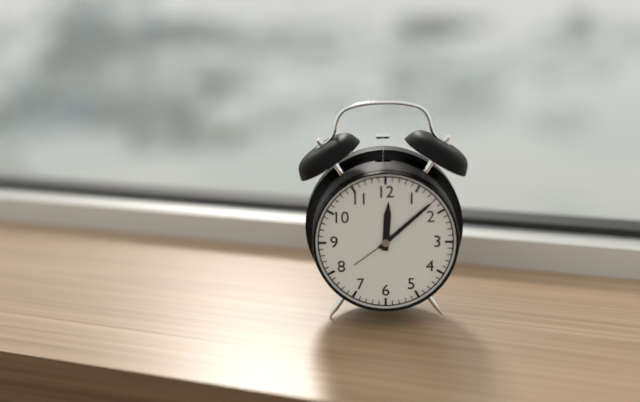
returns 12:08:39
